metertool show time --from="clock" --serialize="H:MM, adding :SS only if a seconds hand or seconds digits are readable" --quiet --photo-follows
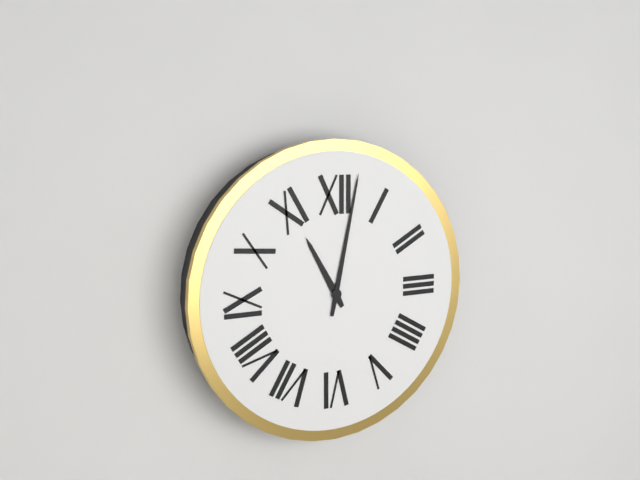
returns 11:02
